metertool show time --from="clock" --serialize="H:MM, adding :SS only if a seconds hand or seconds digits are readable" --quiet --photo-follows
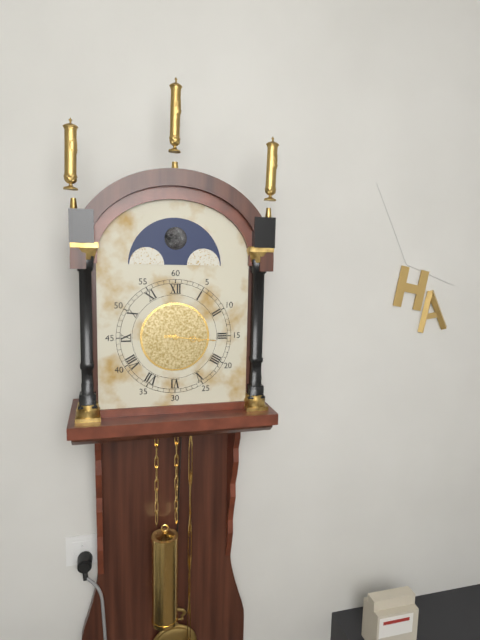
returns 3:16
